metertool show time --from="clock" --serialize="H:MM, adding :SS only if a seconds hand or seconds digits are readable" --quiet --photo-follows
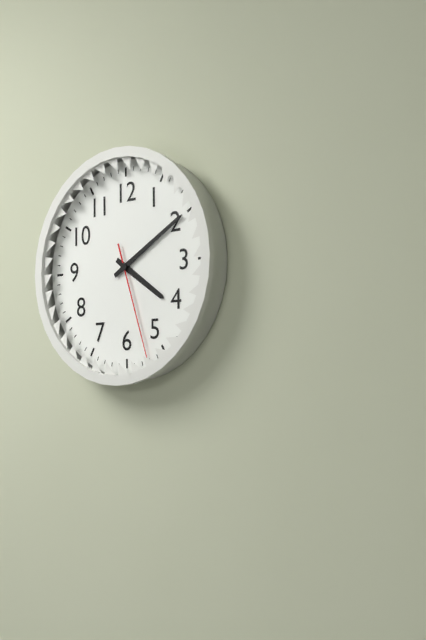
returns 4:10:27
